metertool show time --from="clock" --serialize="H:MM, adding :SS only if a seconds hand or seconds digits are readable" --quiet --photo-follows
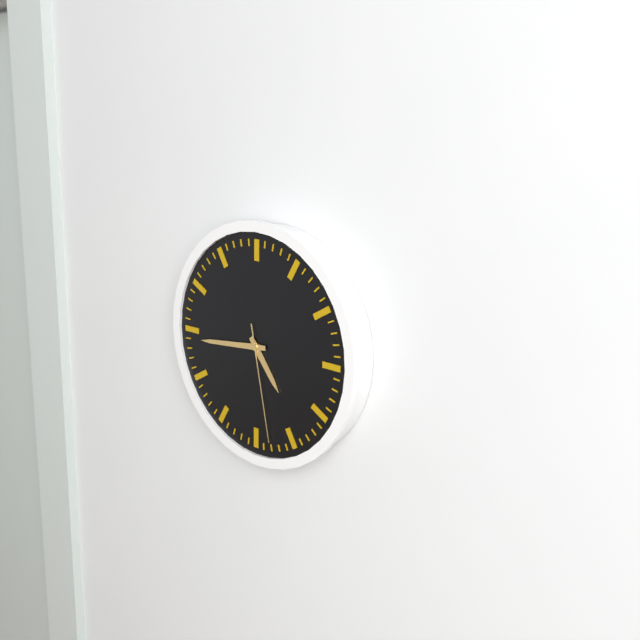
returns 4:44:28
